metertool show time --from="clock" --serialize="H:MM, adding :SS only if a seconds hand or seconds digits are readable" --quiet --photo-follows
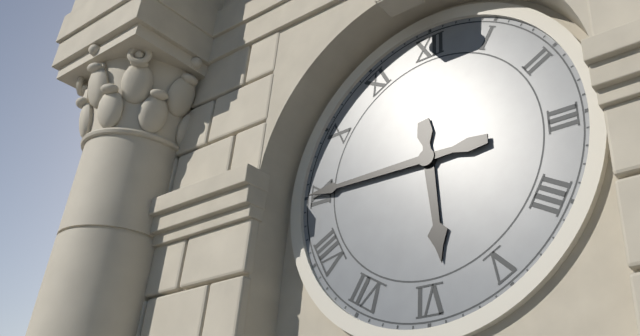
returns 5:45
